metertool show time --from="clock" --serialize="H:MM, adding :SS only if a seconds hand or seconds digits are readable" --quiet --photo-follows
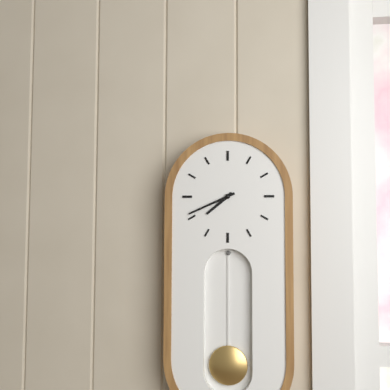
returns 7:41
